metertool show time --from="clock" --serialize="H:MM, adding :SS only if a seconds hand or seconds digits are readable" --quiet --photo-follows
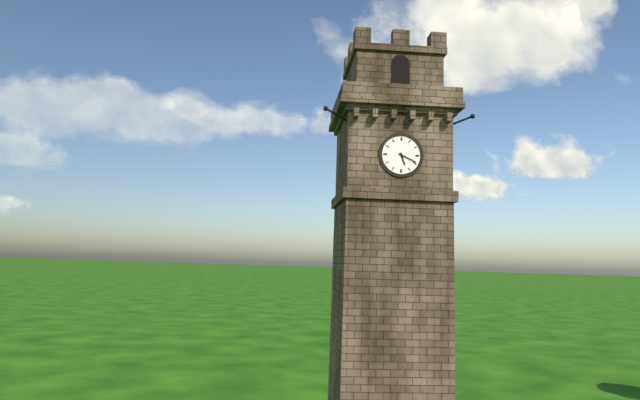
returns 5:19
